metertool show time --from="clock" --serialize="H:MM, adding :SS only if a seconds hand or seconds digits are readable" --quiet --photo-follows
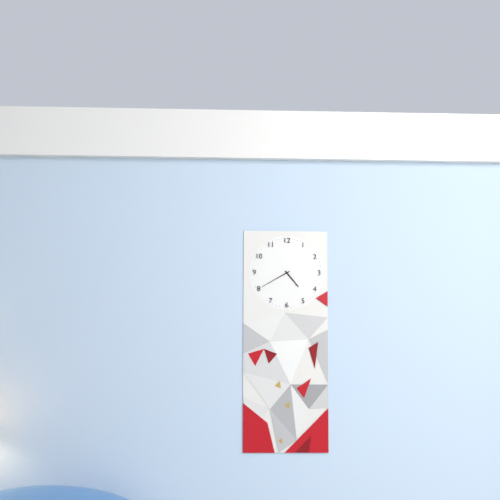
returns 4:40
